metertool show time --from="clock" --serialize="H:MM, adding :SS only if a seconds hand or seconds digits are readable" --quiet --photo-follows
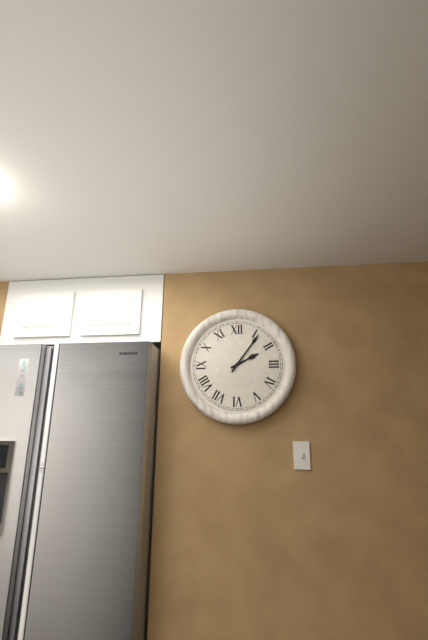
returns 2:06
